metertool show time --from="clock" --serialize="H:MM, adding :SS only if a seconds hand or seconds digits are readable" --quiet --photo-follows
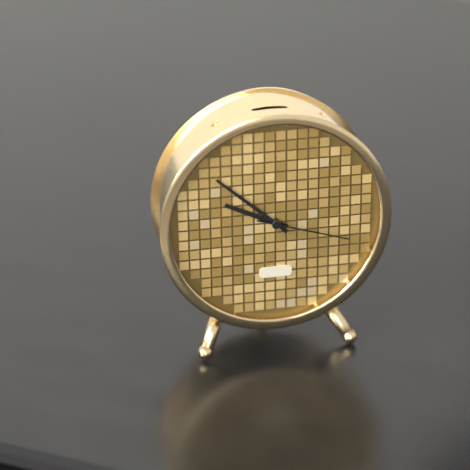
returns 9:52:18
